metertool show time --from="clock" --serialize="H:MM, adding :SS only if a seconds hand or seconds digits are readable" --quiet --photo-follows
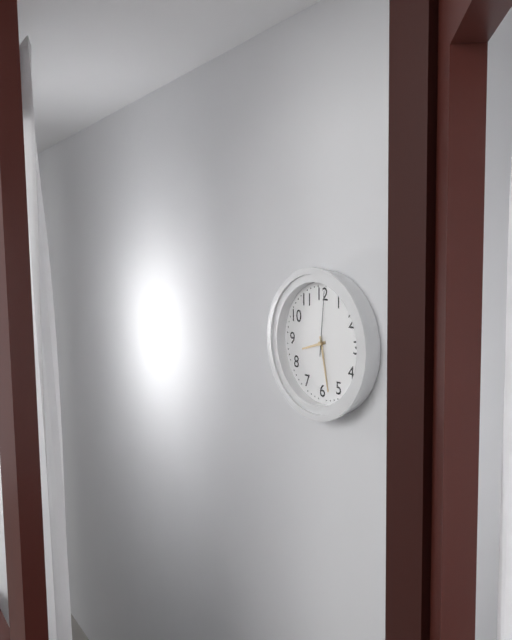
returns 8:28:01
